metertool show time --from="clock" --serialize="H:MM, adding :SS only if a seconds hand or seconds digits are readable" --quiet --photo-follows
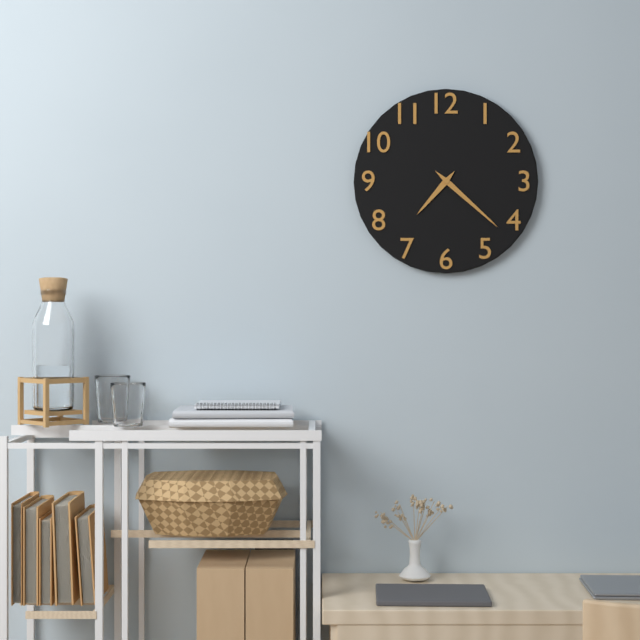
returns 7:22
